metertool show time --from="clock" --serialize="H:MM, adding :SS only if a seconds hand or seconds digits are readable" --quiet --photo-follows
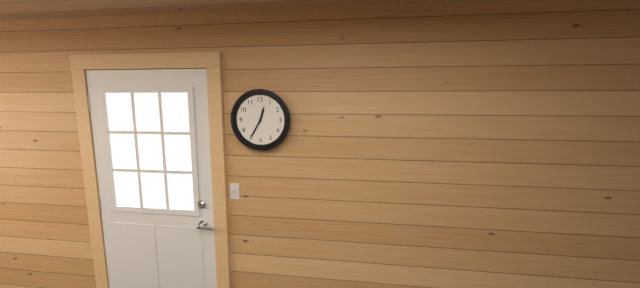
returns 12:35
